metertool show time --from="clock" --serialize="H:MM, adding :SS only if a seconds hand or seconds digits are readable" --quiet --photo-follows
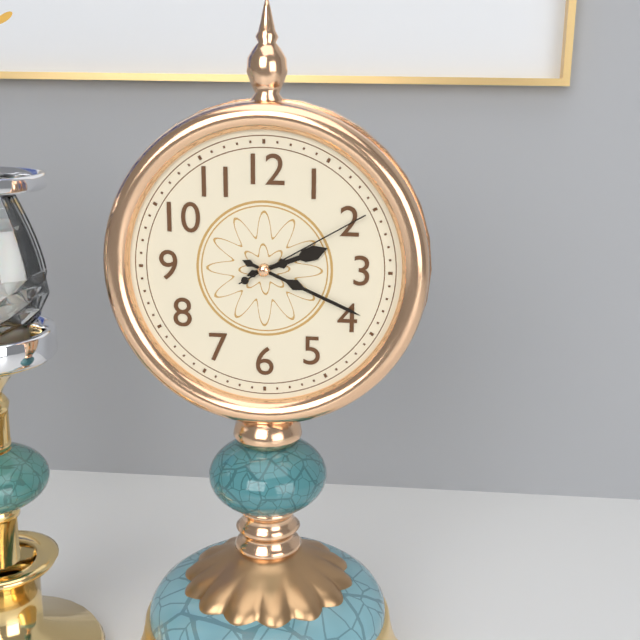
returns 2:19:10
